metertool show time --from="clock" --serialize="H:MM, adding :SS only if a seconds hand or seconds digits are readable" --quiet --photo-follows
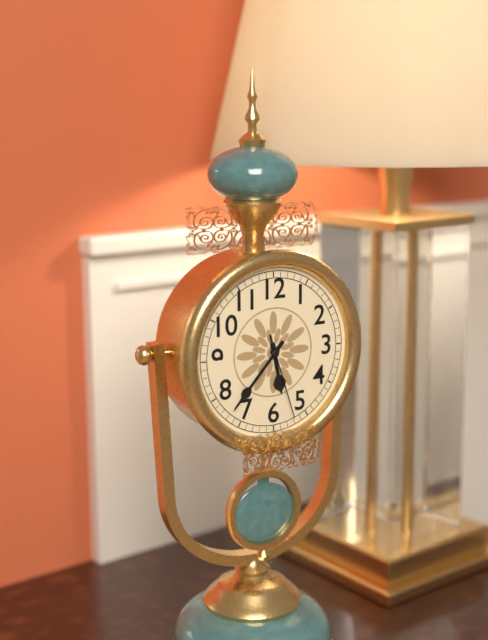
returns 5:37:27
